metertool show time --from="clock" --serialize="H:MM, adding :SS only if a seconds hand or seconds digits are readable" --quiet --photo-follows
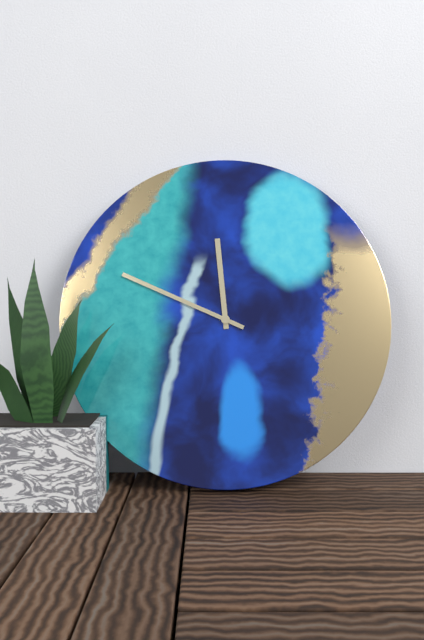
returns 11:49
